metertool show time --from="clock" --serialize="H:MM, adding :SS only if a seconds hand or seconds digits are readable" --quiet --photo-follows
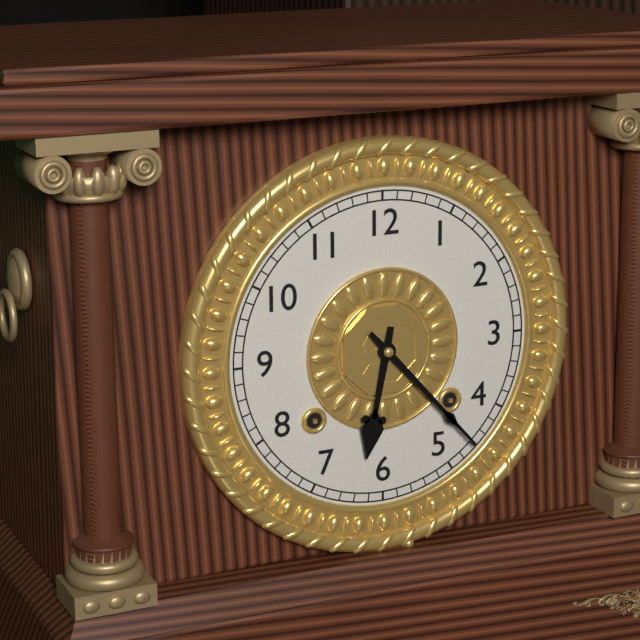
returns 6:23
